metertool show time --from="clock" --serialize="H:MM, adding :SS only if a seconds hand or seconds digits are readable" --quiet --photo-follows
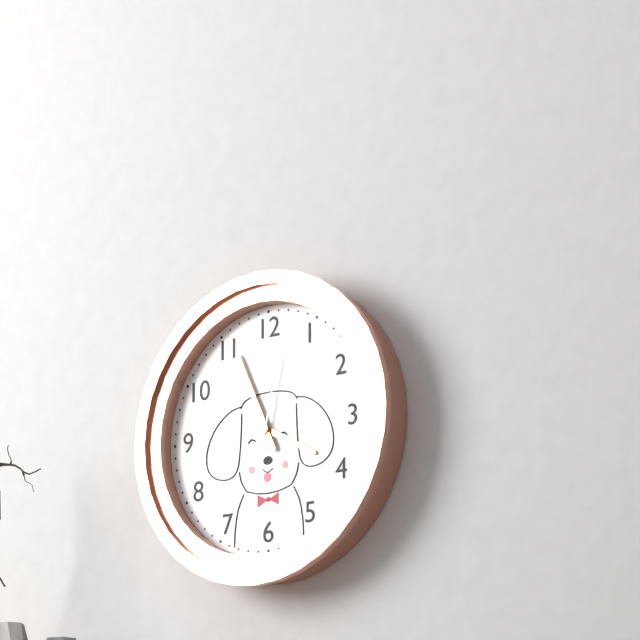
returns 3:56:02
